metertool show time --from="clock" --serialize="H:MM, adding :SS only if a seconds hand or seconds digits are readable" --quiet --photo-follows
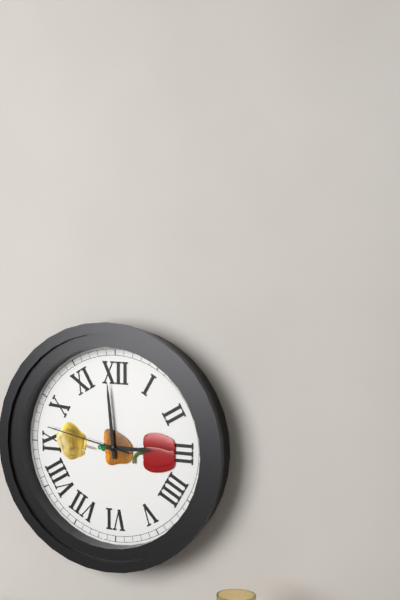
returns 2:59:47
